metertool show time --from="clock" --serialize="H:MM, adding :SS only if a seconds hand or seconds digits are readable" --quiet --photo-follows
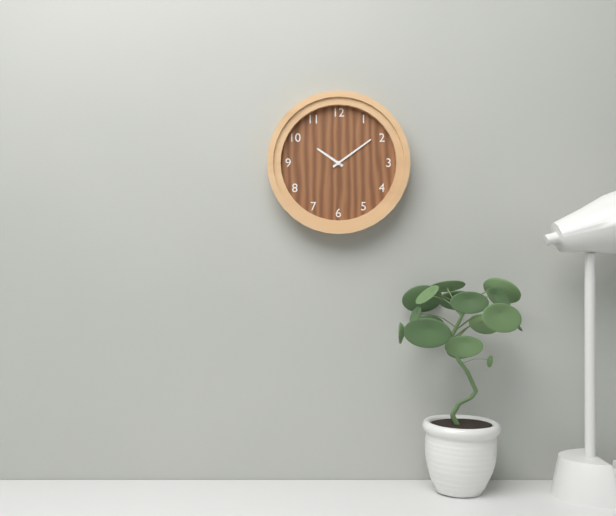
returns 10:09
